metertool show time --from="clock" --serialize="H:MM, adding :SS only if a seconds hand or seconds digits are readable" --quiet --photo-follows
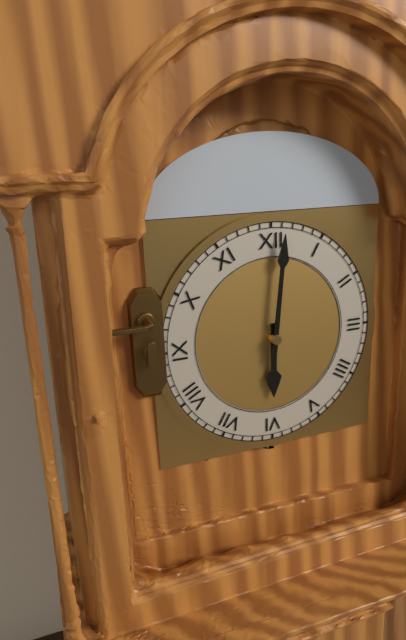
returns 6:01
